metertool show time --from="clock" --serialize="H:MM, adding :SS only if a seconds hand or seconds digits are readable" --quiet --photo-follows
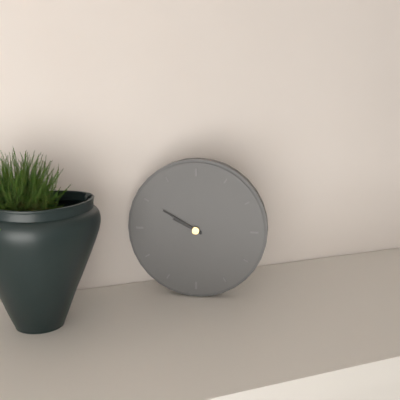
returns 9:50
